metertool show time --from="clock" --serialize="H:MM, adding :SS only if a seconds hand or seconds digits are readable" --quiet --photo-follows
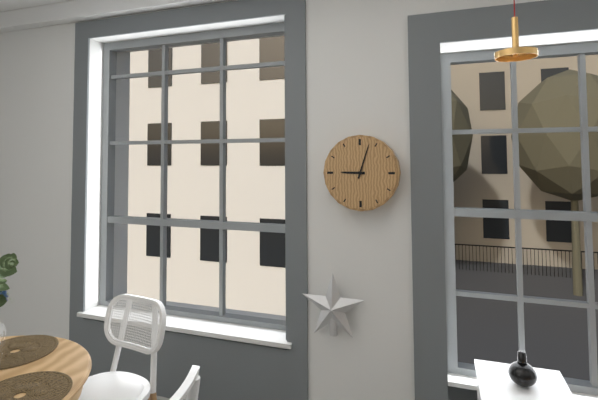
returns 9:03
